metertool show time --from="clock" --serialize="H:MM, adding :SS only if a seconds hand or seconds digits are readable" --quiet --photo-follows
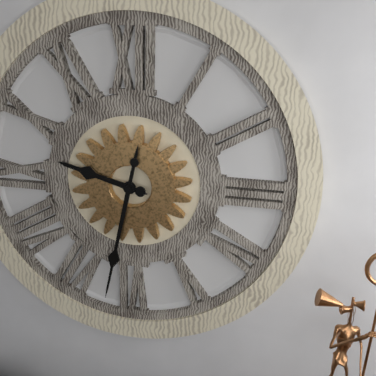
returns 9:32
